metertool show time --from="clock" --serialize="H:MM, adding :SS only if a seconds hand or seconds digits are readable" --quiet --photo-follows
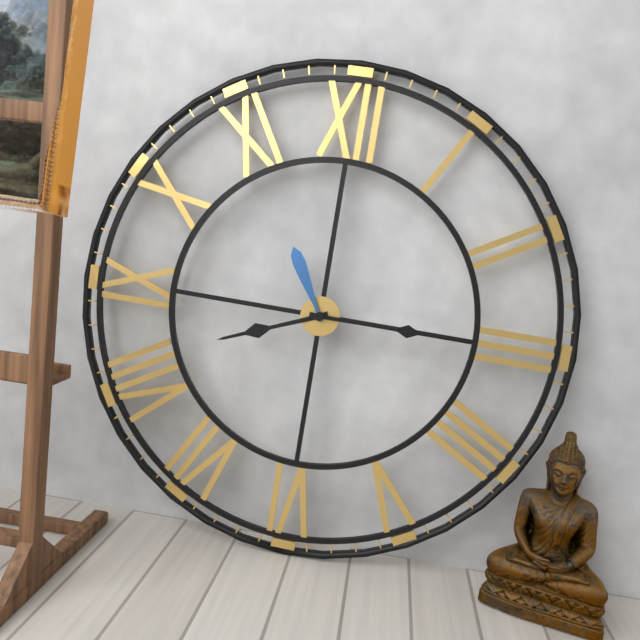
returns 8:15:55
